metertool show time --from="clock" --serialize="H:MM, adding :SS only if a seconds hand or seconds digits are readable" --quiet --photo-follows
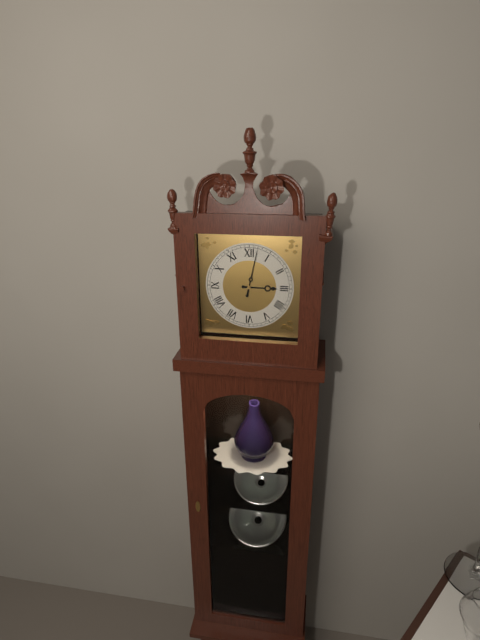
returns 3:02
